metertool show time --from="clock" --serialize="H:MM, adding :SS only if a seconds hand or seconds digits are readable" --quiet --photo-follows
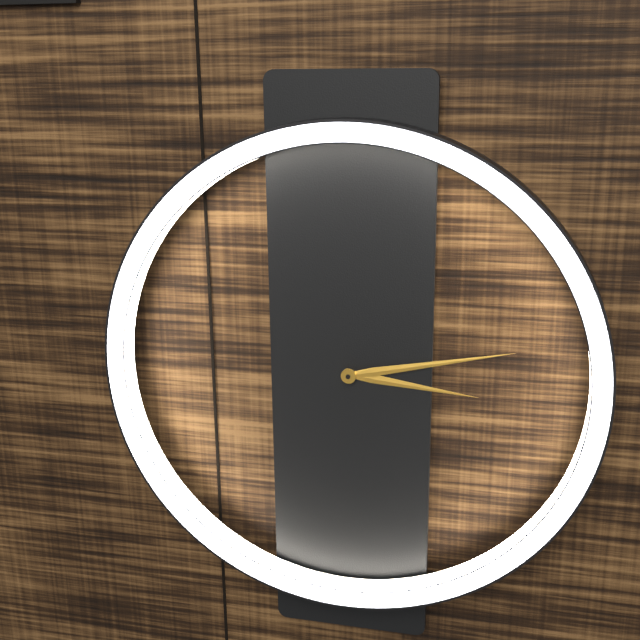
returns 3:13
